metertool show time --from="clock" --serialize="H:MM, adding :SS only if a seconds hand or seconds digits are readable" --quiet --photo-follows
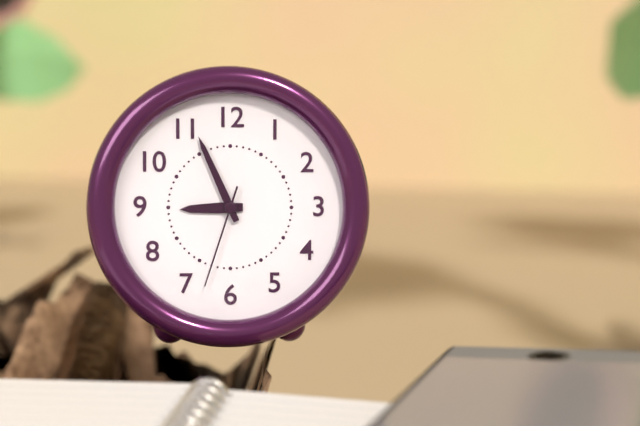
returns 8:56:33
